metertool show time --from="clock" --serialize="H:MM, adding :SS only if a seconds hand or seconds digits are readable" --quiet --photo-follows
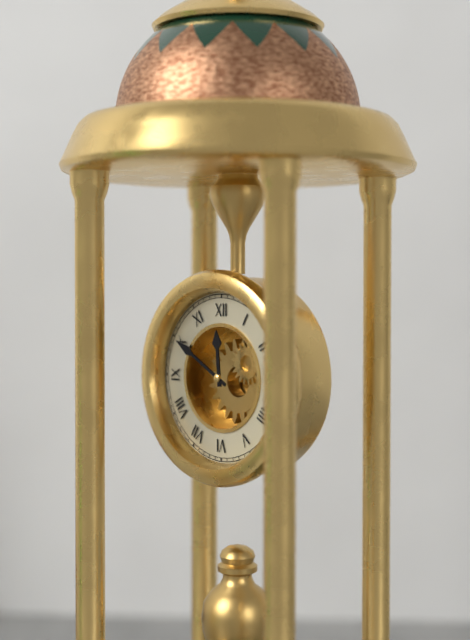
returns 11:50
